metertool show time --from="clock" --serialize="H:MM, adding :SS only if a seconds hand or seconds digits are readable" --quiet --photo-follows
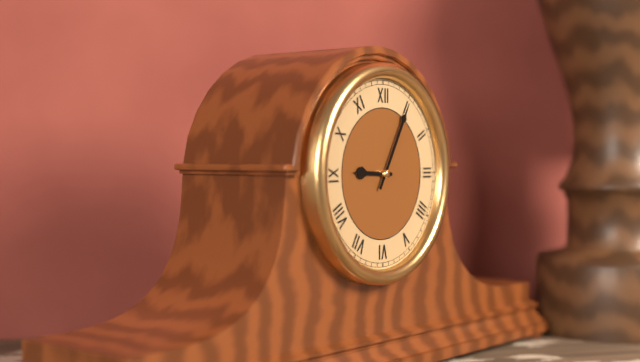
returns 9:05
